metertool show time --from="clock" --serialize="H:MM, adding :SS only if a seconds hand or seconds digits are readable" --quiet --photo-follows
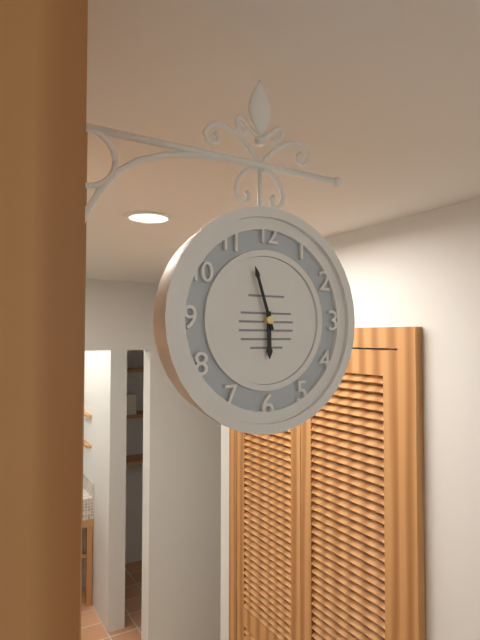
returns 5:57
